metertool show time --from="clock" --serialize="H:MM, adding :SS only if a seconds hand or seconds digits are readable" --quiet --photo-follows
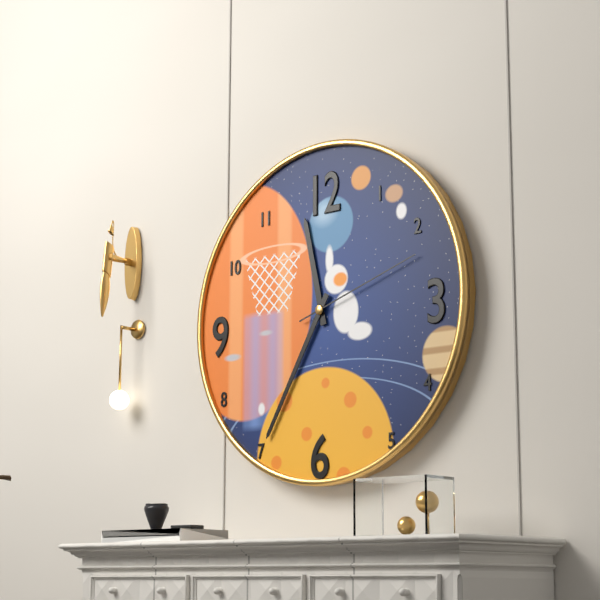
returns 11:35:12
